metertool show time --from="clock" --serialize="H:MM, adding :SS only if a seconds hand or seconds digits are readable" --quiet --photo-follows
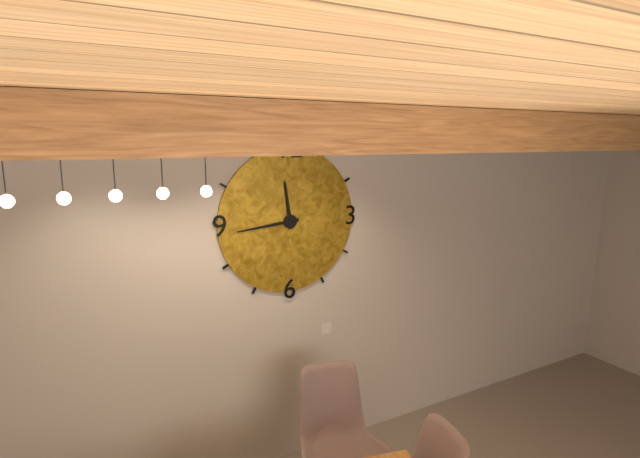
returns 11:44
